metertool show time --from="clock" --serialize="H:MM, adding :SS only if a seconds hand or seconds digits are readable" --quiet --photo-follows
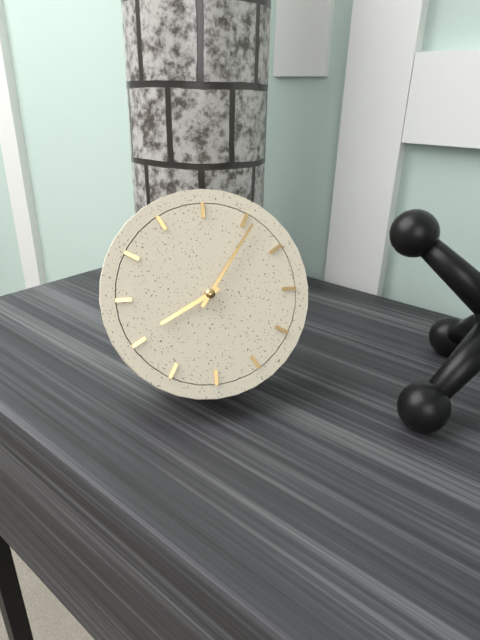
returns 8:06
